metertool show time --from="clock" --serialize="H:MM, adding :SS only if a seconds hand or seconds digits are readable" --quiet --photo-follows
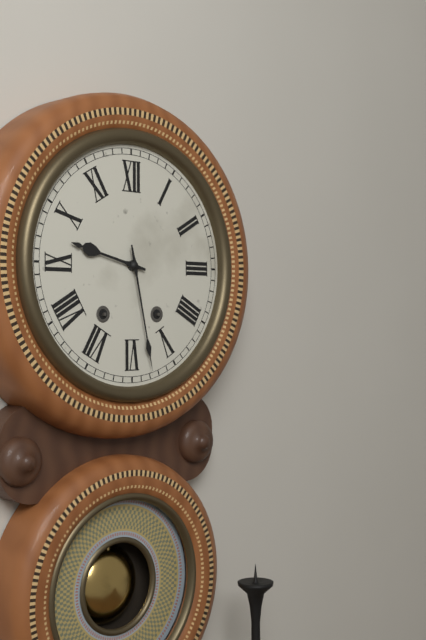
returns 9:28
